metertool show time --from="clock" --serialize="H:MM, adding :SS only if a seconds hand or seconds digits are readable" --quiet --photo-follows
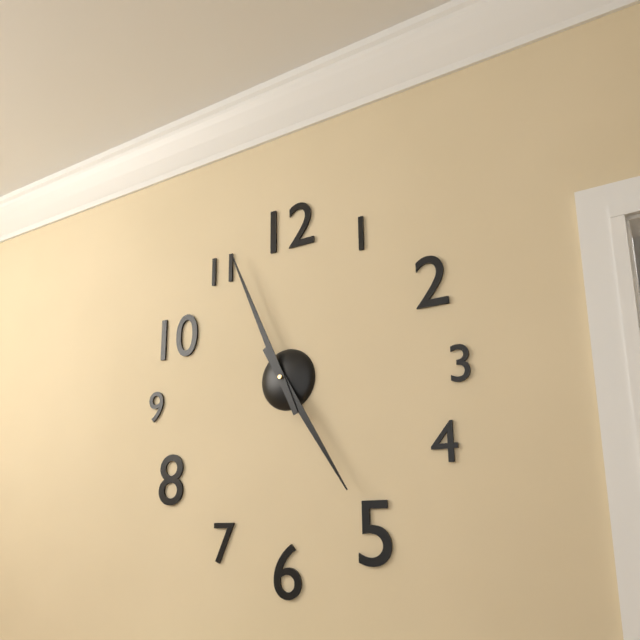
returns 4:56
